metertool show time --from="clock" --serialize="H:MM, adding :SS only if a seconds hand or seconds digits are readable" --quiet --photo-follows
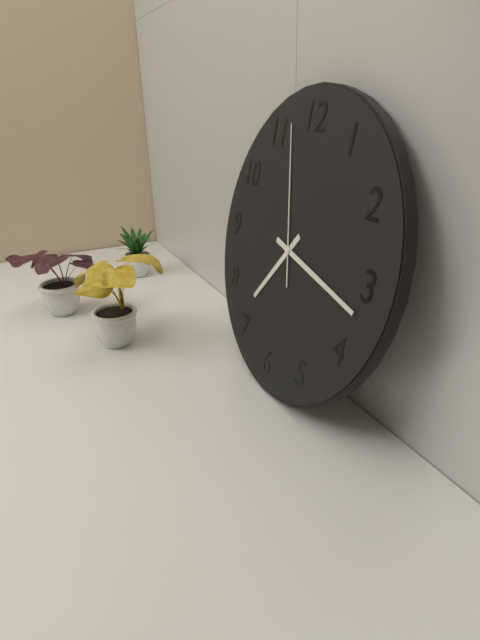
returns 7:17:57
